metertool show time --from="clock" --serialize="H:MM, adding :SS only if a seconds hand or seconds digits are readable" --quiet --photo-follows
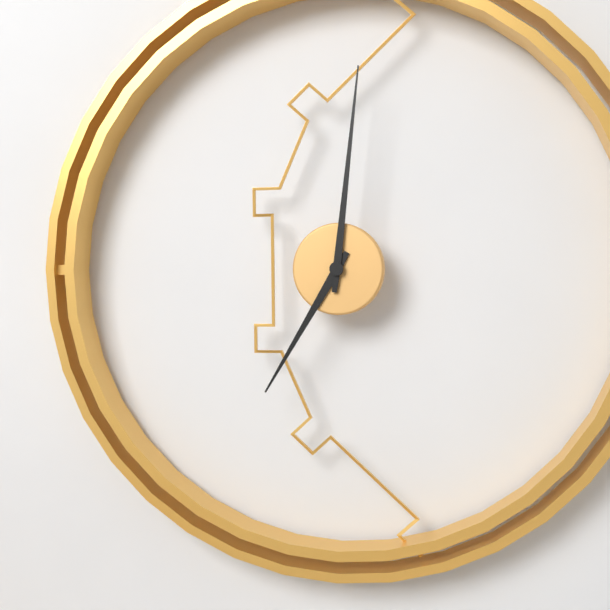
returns 7:01
